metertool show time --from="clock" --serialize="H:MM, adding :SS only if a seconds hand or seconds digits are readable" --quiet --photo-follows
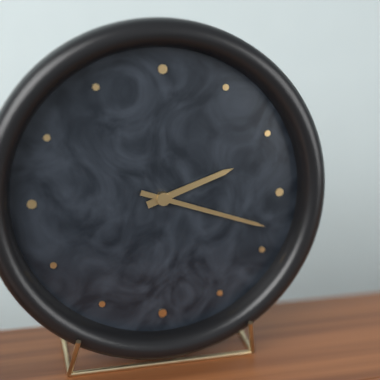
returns 2:18
